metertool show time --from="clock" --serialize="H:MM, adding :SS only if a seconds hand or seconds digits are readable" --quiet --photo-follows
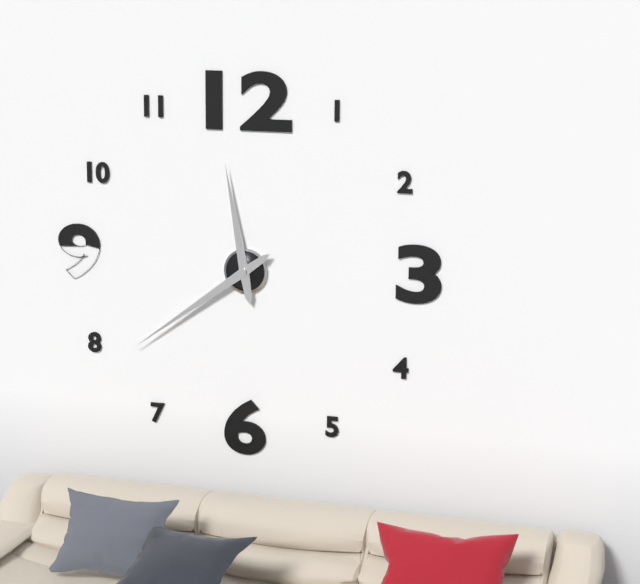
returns 11:39
